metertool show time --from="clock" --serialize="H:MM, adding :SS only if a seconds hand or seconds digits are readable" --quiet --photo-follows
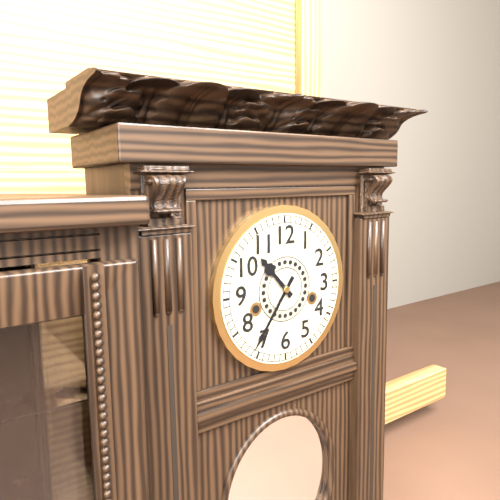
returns 10:36
